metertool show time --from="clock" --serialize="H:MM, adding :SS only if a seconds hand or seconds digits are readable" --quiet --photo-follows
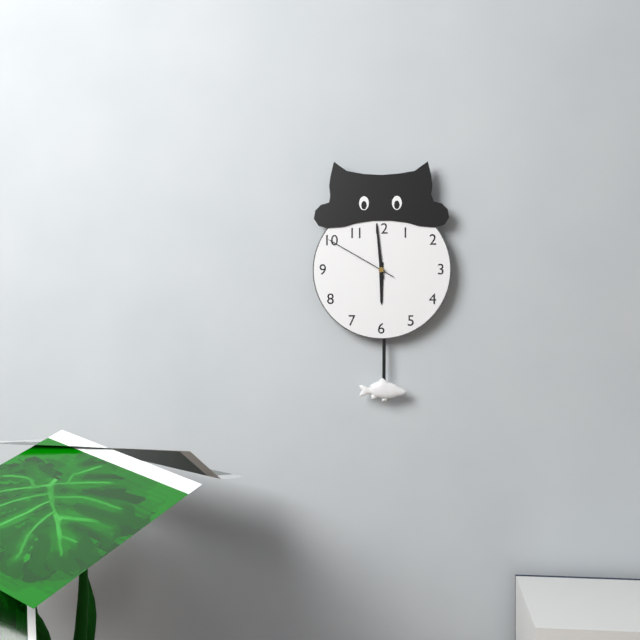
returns 5:59:50
